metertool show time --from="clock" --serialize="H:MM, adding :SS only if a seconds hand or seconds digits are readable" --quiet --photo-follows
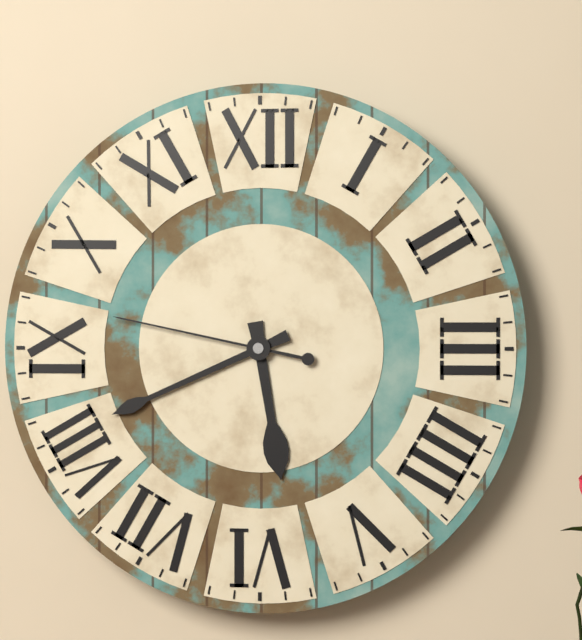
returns 5:41:47
